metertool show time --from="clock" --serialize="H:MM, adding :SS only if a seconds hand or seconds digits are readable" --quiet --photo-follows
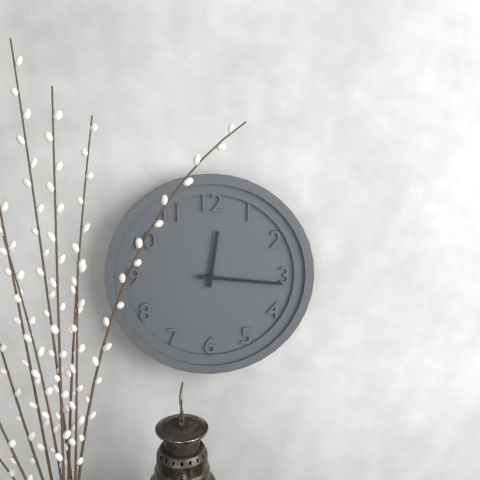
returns 12:16
